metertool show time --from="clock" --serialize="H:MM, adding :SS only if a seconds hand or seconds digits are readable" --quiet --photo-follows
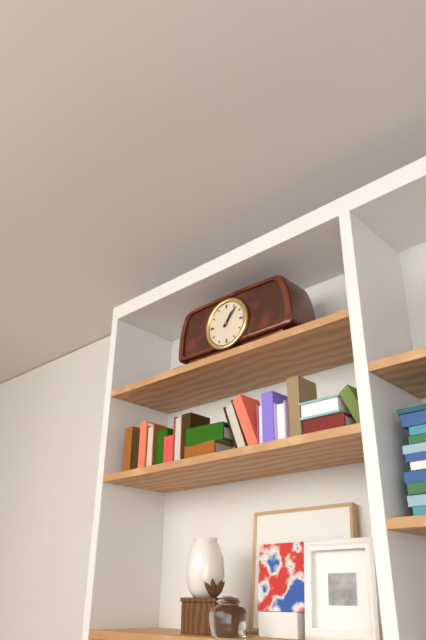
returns 1:07
